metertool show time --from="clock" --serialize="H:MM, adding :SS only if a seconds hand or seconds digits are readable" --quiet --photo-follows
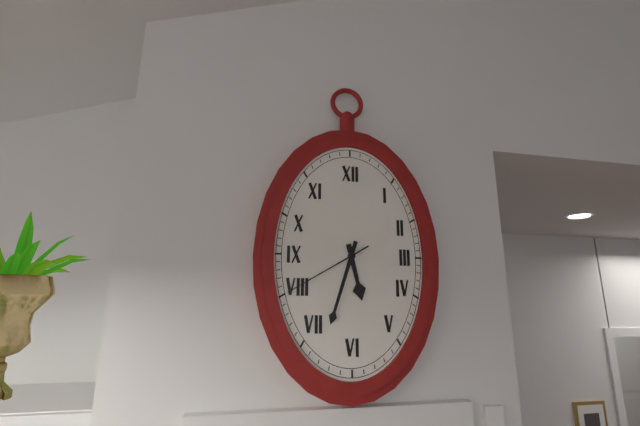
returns 5:33:40
